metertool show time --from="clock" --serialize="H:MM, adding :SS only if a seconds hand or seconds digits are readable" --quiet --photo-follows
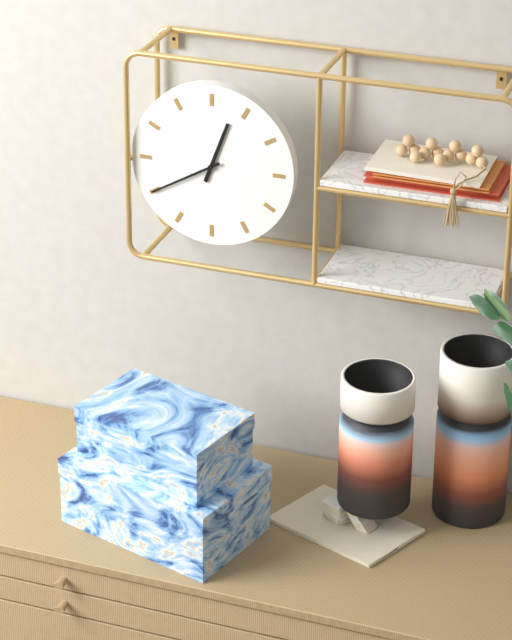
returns 12:40
